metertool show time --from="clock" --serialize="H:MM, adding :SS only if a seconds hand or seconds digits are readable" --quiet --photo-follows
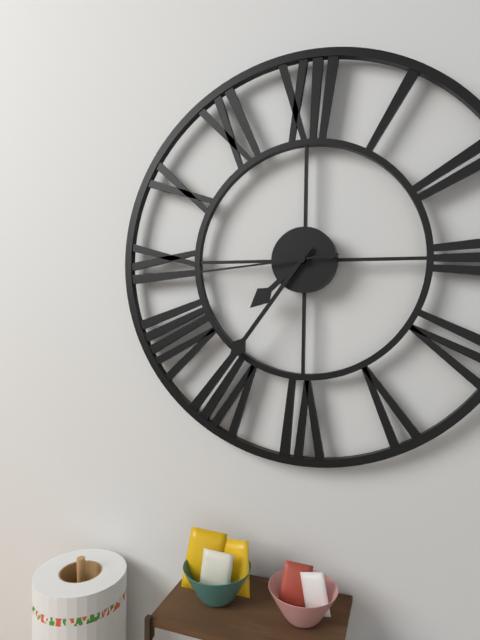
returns 7:36:44
